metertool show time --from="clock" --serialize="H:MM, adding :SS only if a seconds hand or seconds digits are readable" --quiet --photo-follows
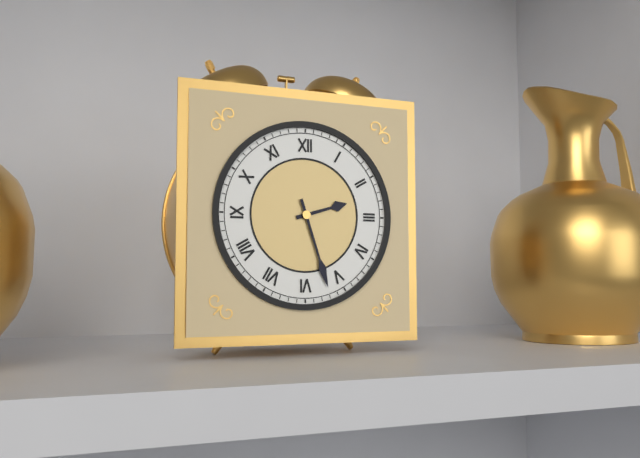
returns 2:27
